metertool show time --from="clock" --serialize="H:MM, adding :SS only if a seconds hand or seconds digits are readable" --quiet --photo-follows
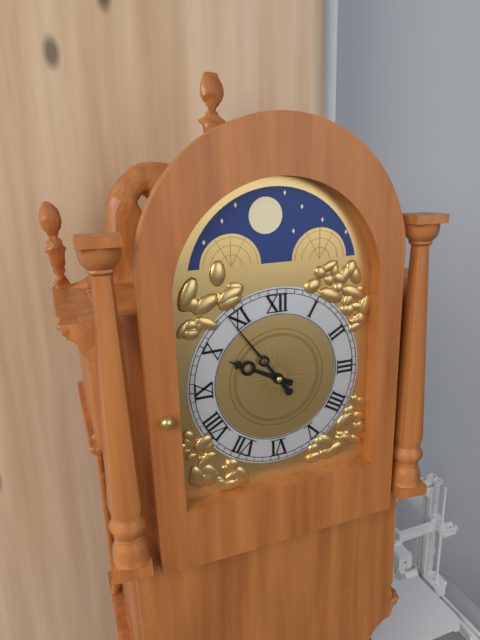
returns 9:54
